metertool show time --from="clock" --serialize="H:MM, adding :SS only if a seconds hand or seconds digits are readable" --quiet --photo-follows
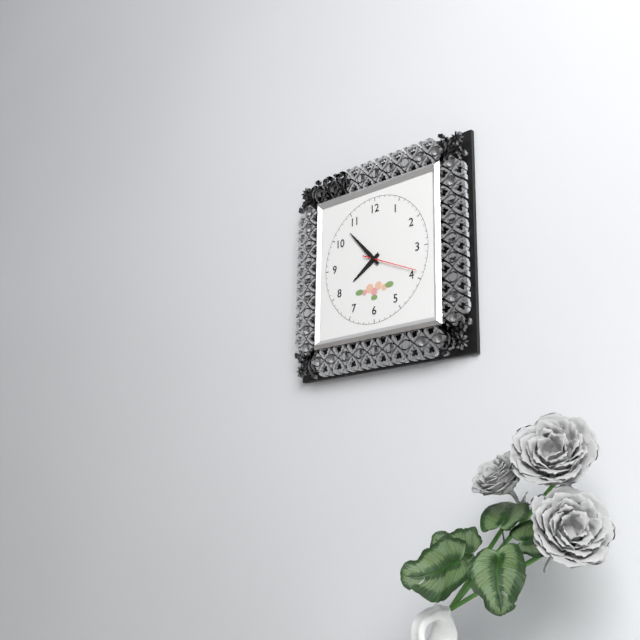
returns 7:53:19
